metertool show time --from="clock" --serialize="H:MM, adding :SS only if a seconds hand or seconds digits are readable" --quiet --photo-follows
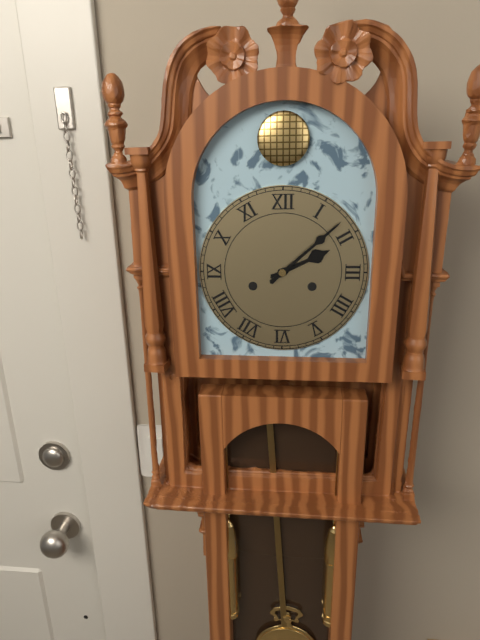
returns 2:08
